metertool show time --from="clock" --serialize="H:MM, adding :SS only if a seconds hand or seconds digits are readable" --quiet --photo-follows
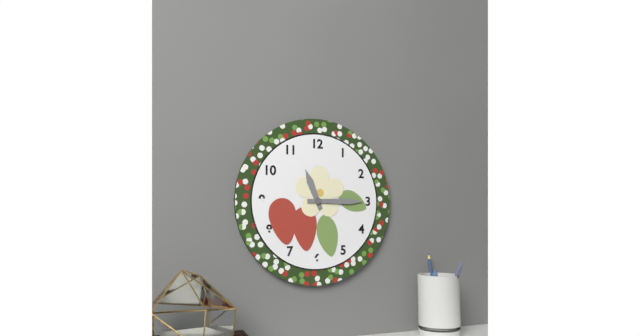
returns 11:15
